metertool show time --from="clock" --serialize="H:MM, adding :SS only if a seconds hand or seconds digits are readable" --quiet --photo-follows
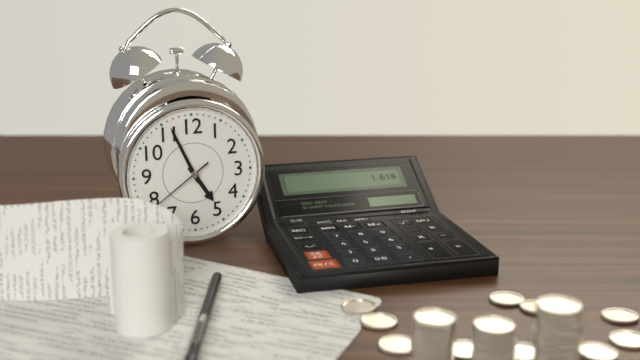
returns 4:56:39
